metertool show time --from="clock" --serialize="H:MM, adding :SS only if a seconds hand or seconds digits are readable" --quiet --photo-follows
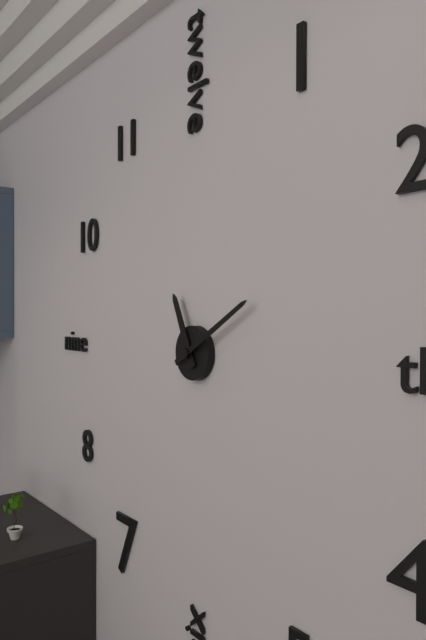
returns 11:10
